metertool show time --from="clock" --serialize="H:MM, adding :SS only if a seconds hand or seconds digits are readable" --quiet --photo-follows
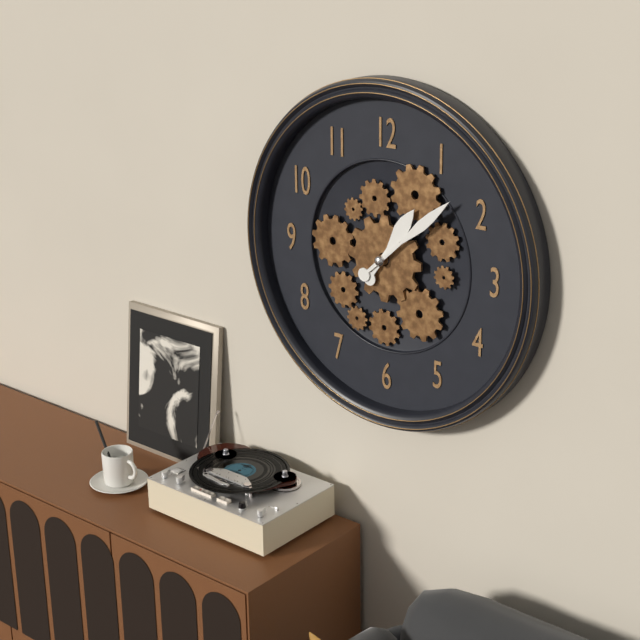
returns 1:08
